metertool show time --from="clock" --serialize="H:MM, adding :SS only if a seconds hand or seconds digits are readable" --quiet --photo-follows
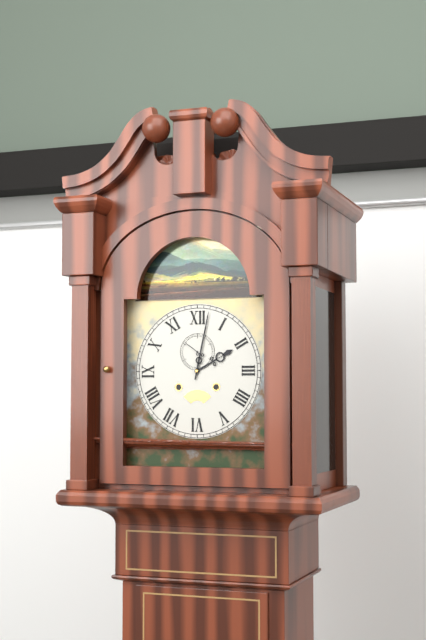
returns 2:02
